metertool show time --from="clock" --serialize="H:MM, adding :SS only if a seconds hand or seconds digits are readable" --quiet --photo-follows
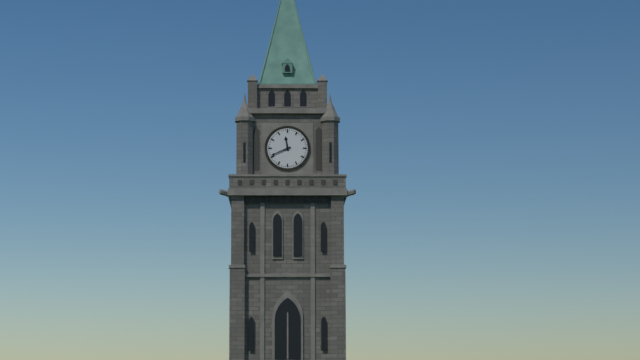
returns 11:41
